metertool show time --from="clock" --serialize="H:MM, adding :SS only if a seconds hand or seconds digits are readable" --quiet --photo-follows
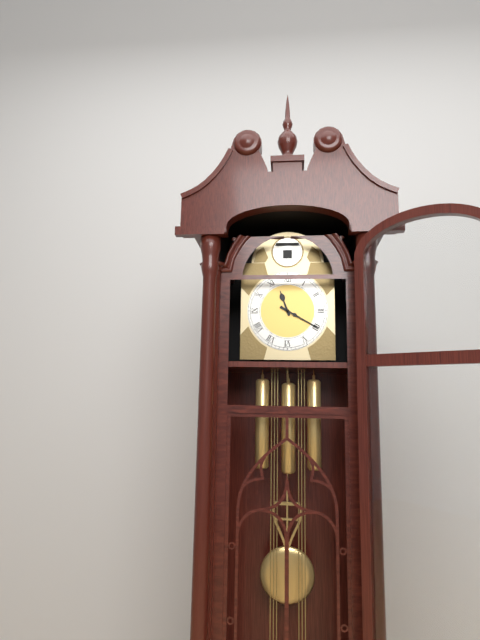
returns 11:20
